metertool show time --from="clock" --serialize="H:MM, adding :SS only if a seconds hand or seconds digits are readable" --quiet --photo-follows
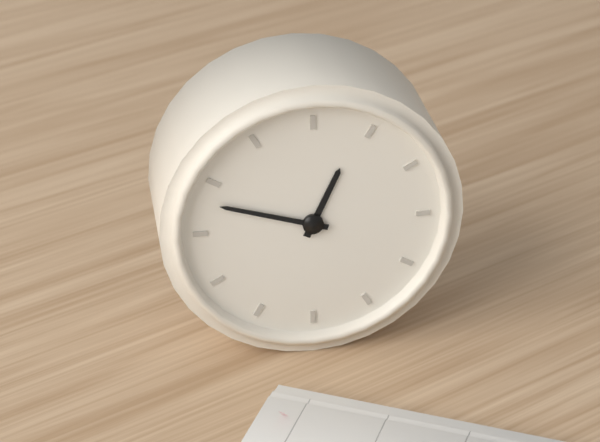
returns 12:48
